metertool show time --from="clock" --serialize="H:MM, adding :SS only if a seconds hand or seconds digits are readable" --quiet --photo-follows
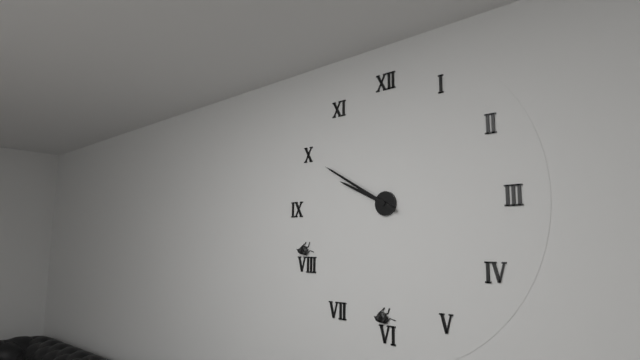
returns 9:50
